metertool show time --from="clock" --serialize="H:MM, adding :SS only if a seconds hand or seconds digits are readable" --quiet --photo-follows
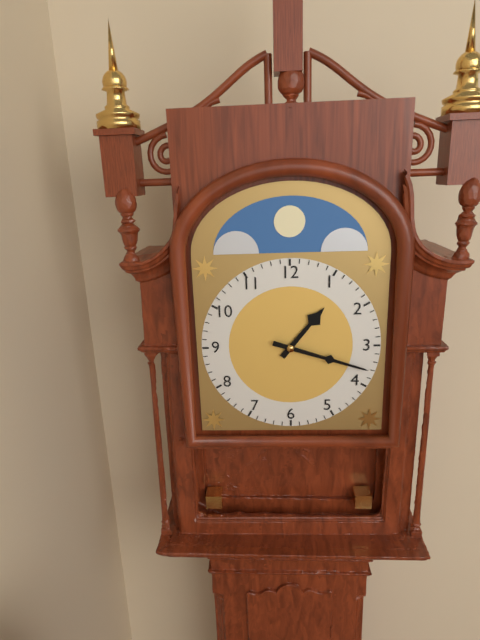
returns 1:18
